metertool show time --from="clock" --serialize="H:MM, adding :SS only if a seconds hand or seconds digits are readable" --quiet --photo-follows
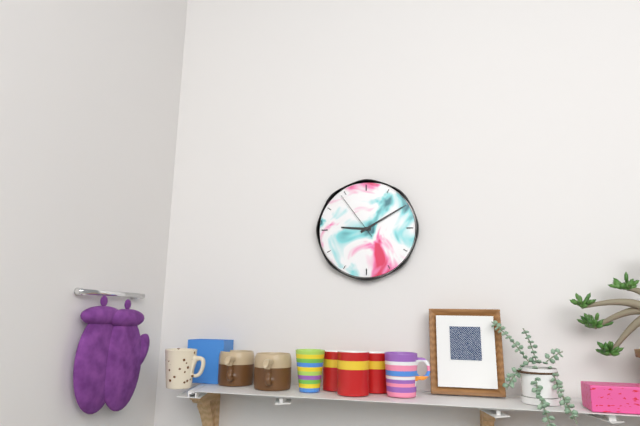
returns 9:10:54
